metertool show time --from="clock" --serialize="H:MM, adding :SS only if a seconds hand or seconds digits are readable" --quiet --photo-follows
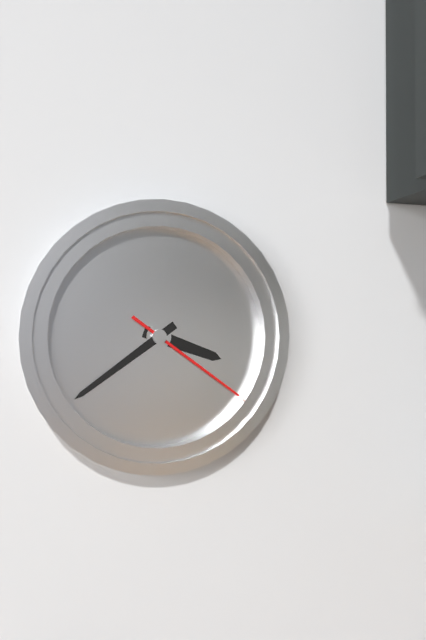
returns 3:39:21
